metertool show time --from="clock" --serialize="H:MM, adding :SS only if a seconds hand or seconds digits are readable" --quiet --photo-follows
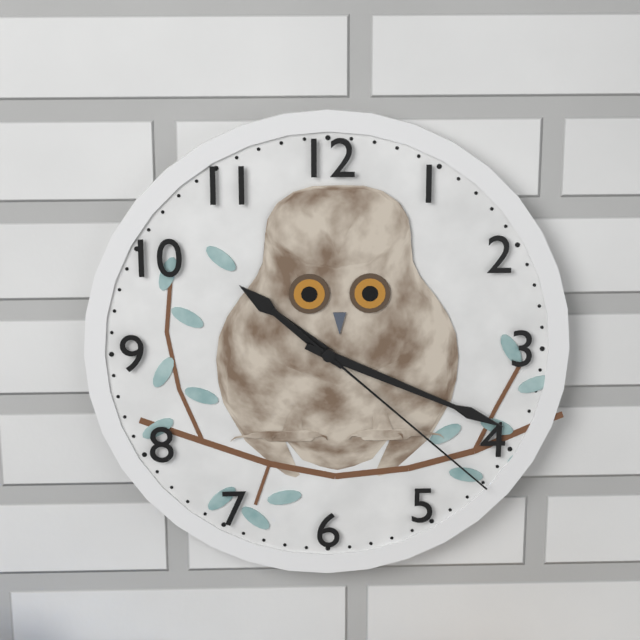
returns 10:19:22
